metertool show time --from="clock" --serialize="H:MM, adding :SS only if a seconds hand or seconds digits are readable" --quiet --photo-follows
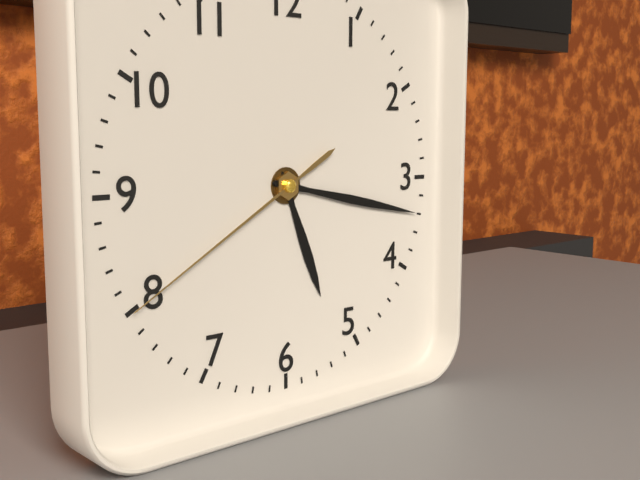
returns 5:17:40
